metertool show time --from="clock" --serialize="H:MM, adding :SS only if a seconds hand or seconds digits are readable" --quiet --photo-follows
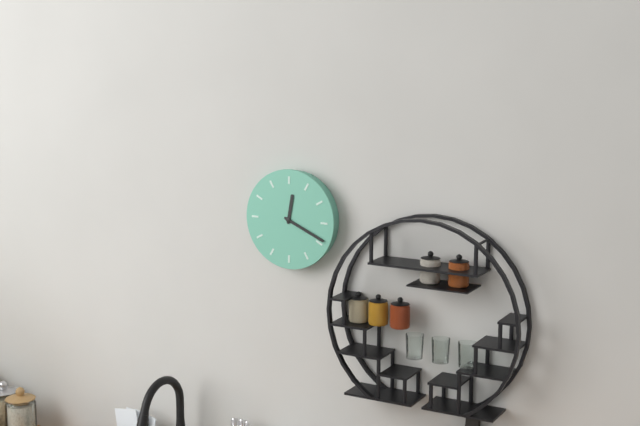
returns 12:19
